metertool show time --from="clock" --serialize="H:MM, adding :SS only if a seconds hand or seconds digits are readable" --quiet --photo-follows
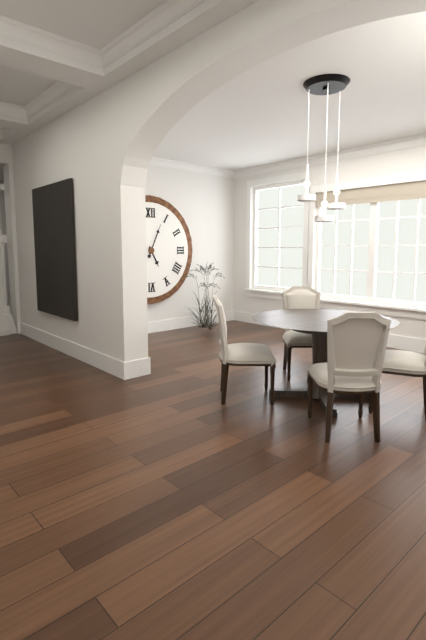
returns 5:04
